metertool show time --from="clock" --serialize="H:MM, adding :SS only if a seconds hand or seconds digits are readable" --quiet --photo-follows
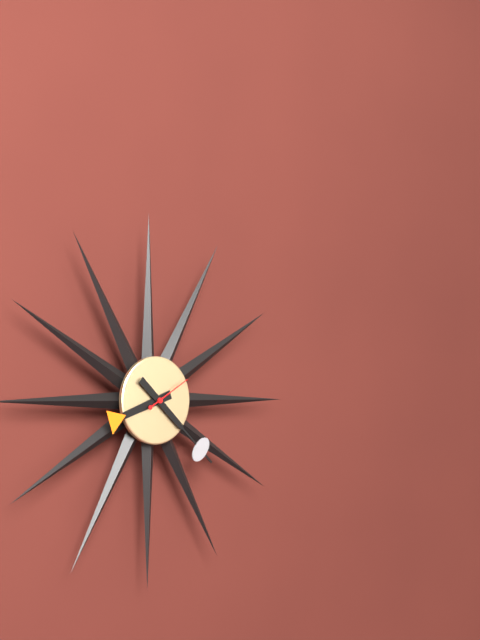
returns 8:22
